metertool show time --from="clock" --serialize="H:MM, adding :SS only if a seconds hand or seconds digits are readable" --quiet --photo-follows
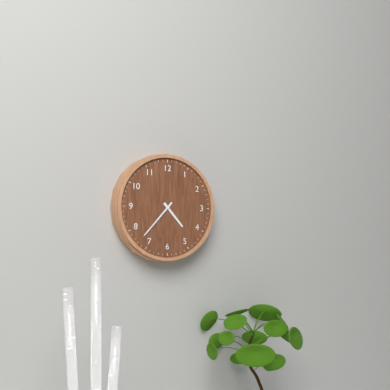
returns 4:37
